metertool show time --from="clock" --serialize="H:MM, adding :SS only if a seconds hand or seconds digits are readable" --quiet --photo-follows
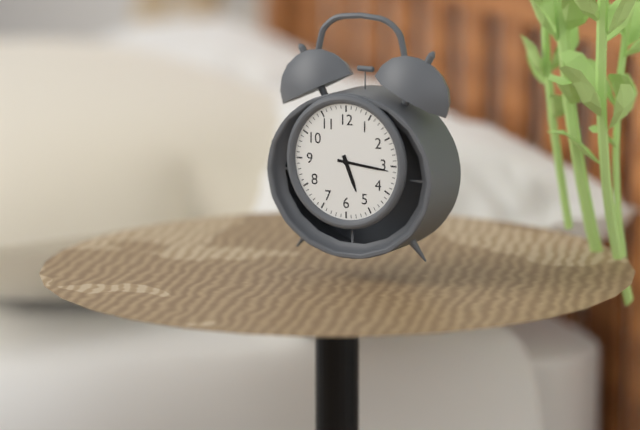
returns 5:16
